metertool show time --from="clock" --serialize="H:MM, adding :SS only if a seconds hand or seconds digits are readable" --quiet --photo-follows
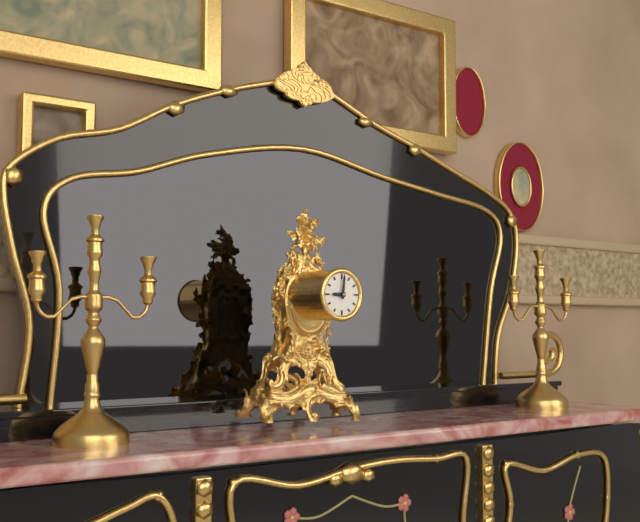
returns 9:01
